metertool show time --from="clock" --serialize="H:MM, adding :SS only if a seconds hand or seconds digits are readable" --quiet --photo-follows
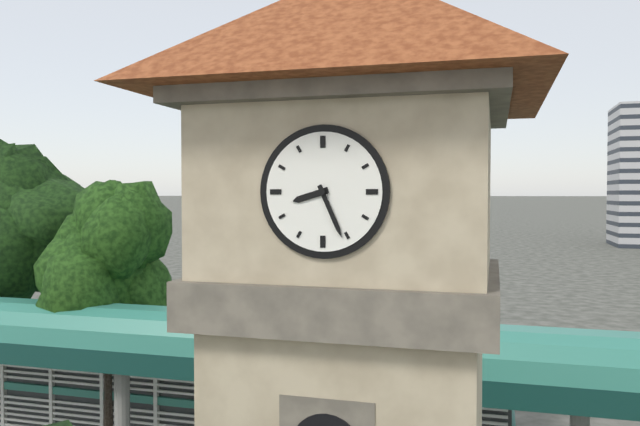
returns 8:26
